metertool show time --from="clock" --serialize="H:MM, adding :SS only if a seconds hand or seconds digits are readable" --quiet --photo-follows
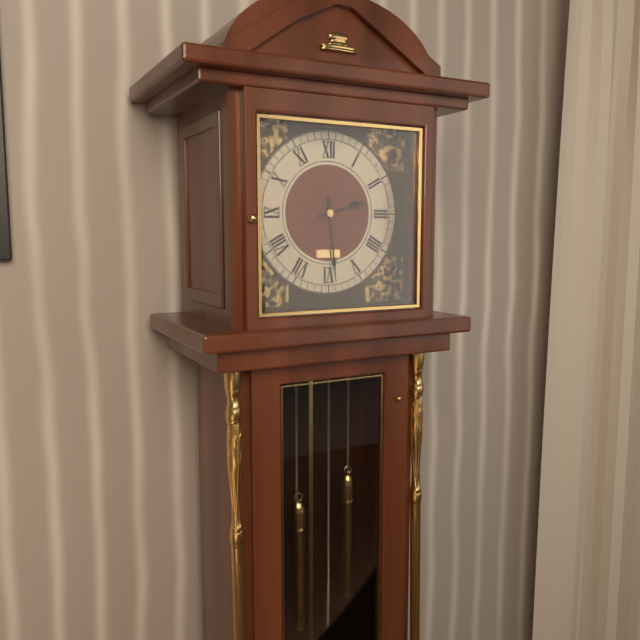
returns 2:29
